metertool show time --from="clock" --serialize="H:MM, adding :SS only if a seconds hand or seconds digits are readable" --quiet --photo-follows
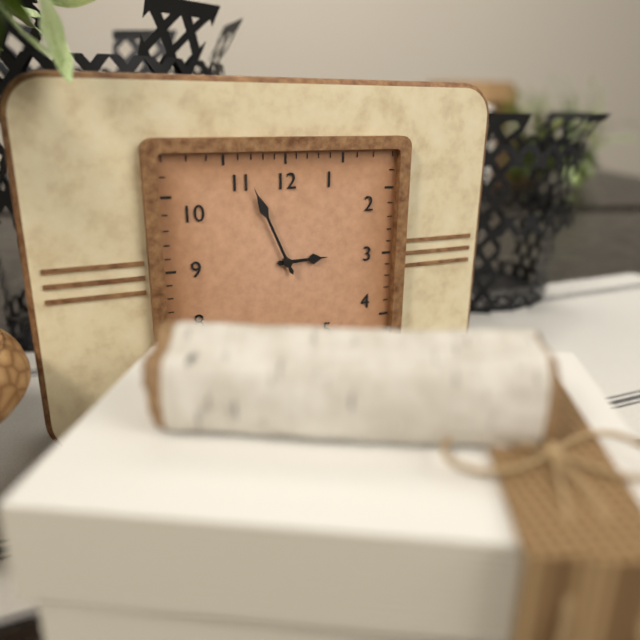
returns 2:56
